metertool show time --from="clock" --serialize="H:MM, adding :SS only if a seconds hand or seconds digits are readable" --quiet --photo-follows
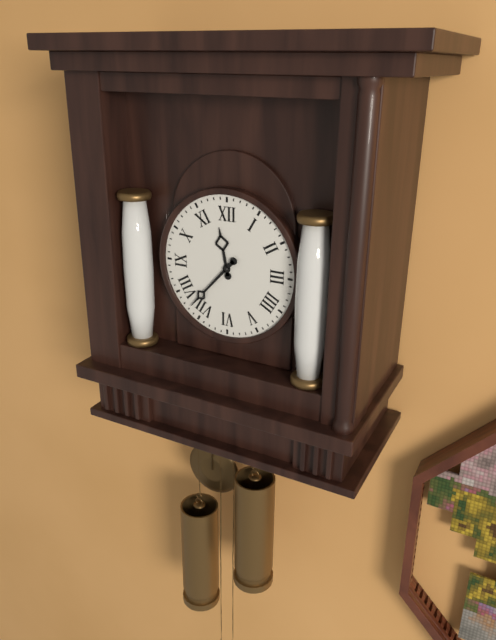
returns 11:37
